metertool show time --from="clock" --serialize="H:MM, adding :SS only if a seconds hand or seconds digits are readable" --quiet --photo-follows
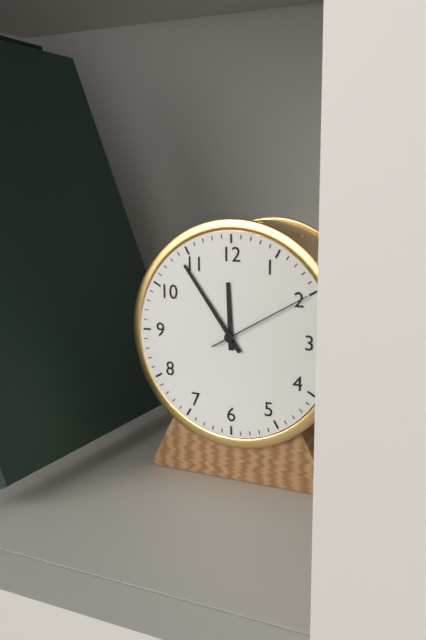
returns 11:54:10
